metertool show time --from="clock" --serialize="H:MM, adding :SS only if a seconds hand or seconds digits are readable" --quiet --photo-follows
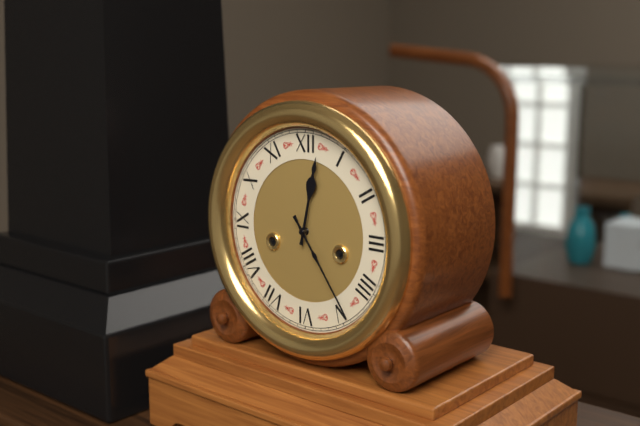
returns 12:24
